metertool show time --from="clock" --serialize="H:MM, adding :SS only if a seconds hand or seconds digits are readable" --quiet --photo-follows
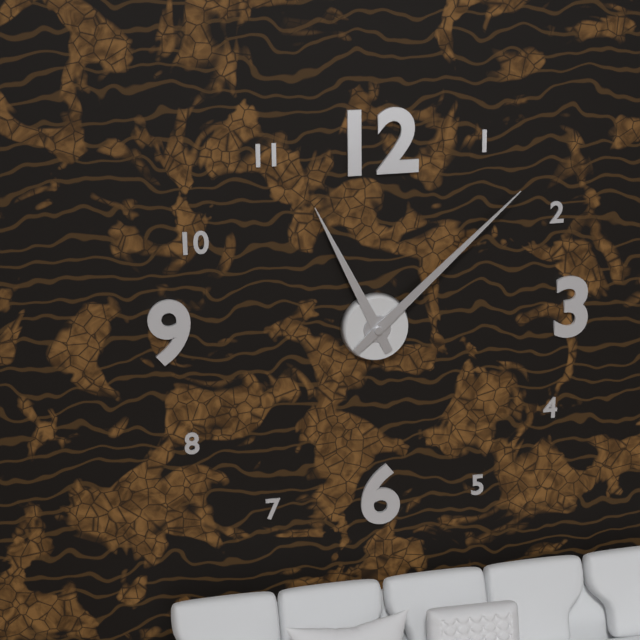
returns 11:08
